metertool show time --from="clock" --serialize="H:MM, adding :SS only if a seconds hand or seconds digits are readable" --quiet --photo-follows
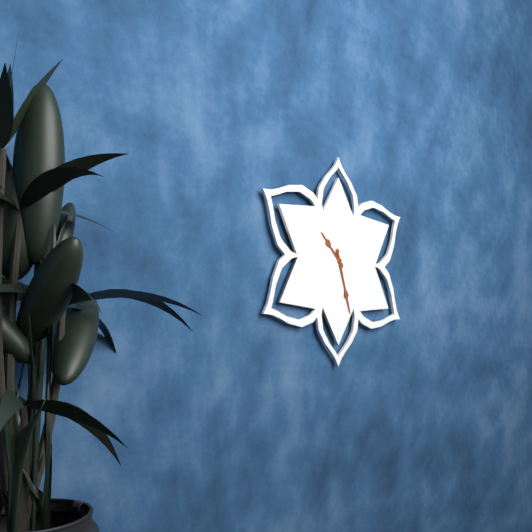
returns 10:27
